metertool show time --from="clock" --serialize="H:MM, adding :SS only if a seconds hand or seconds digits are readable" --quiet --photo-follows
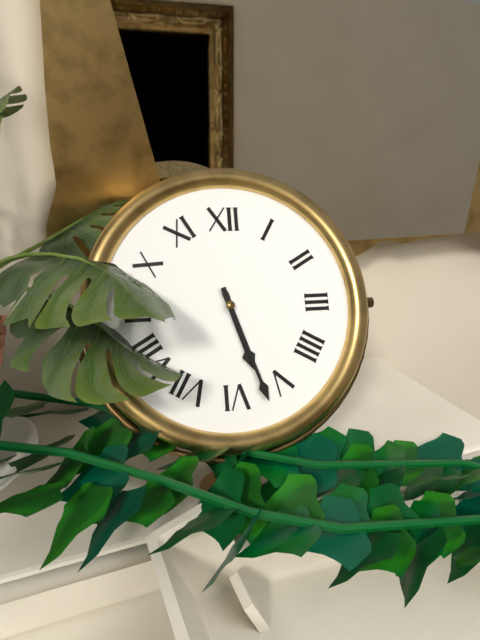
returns 5:27
